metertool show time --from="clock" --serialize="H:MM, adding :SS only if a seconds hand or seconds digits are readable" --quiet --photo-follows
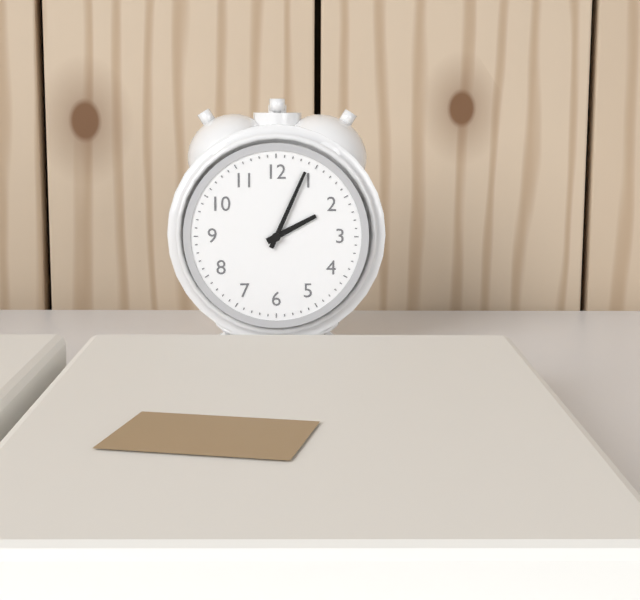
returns 2:04
